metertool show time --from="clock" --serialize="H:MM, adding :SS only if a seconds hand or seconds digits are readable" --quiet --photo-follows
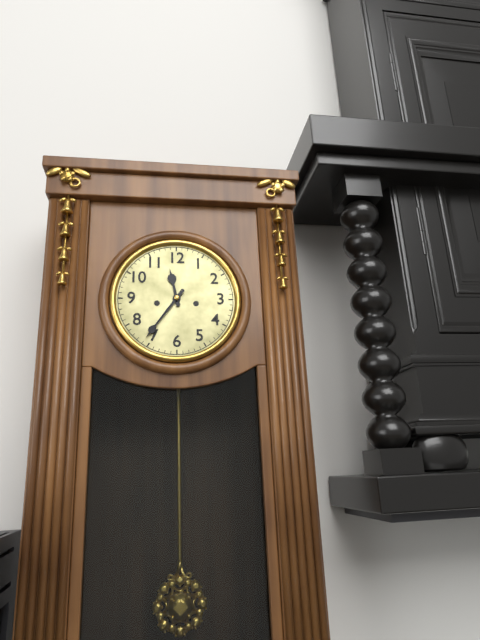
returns 11:36
